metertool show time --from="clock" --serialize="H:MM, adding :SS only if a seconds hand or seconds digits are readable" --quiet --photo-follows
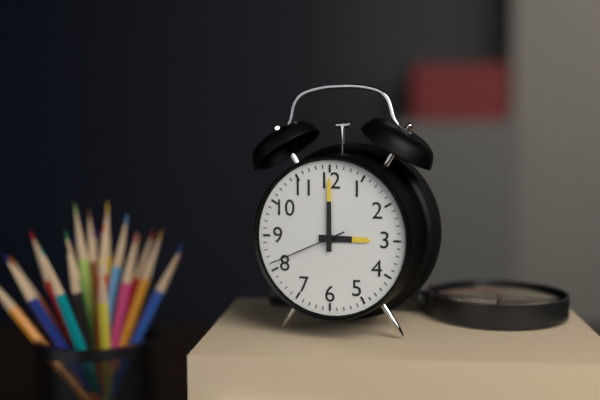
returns 3:00:41
